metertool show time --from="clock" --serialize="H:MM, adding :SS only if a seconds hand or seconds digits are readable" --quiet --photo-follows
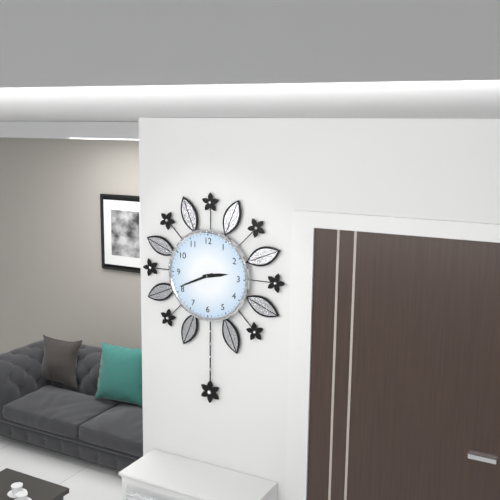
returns 2:41
